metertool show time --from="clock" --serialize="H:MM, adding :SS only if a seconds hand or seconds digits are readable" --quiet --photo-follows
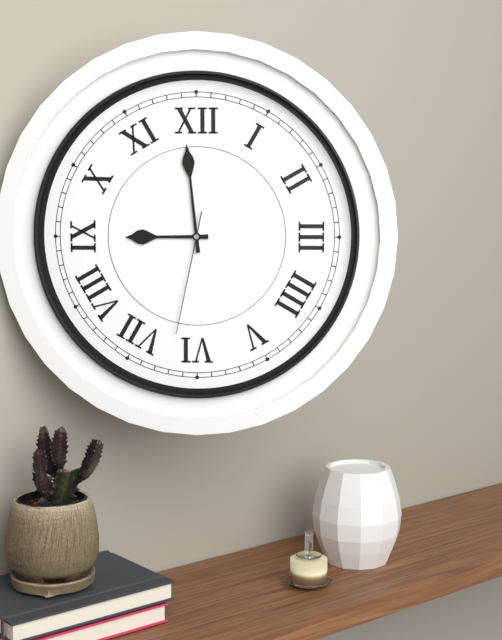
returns 8:59:32
